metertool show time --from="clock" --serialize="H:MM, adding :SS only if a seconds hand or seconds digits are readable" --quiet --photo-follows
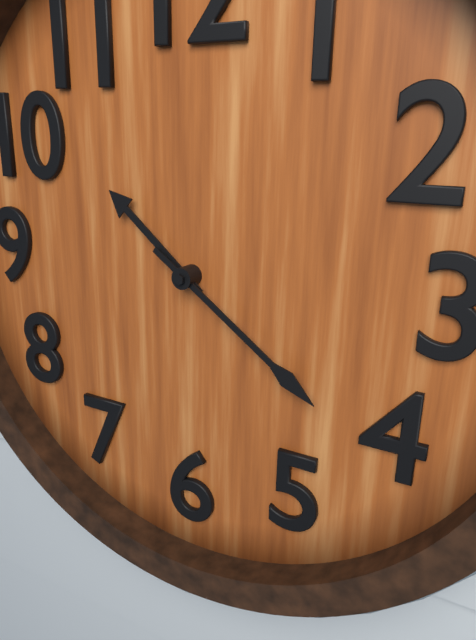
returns 10:21
